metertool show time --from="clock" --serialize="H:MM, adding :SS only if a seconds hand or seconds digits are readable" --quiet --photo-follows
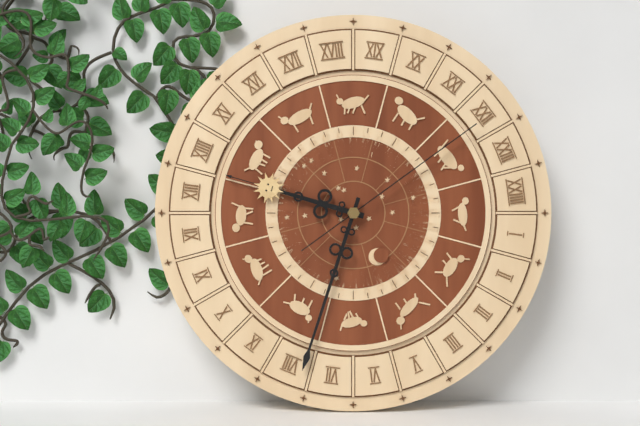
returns 9:33:09
